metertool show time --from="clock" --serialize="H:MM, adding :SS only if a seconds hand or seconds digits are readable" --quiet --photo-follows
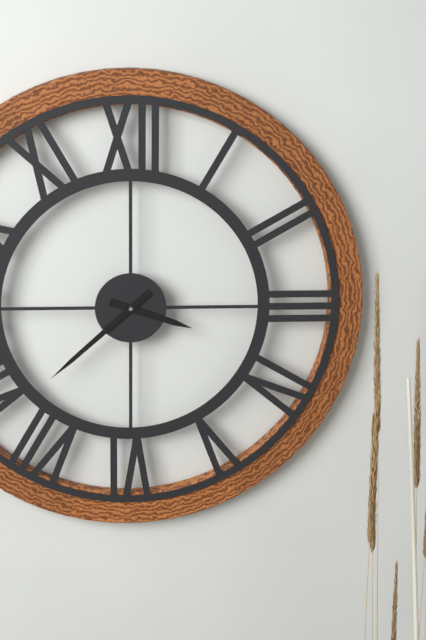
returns 3:38
